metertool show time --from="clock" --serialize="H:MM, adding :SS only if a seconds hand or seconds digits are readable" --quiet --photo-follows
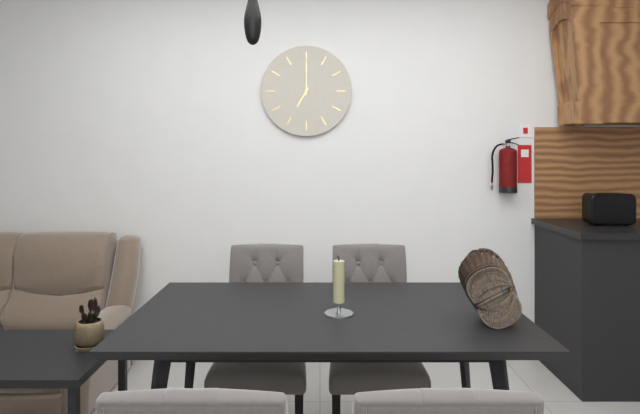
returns 7:00
